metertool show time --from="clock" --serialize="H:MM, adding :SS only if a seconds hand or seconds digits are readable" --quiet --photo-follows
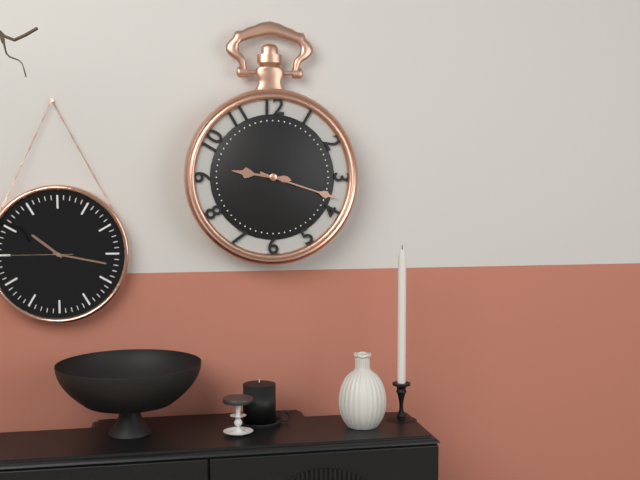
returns 9:18
